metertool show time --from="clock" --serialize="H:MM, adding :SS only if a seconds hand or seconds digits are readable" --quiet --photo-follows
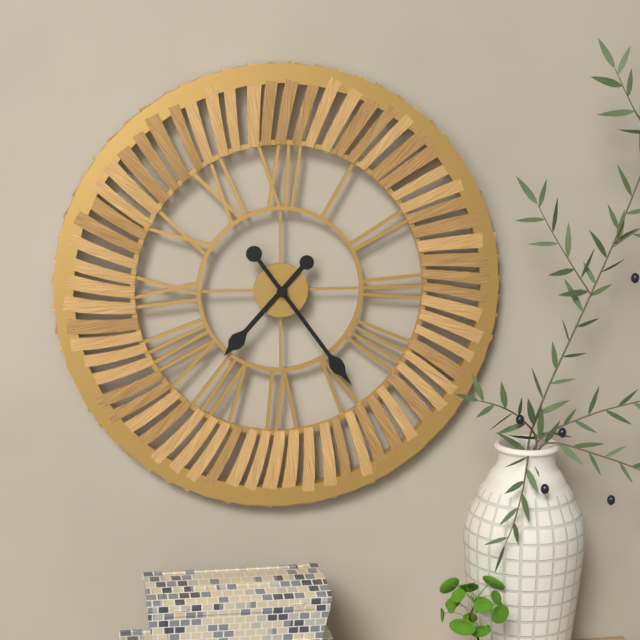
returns 7:24
